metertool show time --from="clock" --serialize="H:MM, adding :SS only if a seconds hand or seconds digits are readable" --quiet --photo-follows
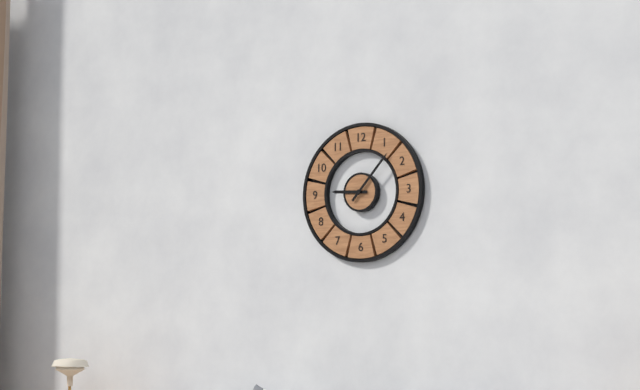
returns 9:07
